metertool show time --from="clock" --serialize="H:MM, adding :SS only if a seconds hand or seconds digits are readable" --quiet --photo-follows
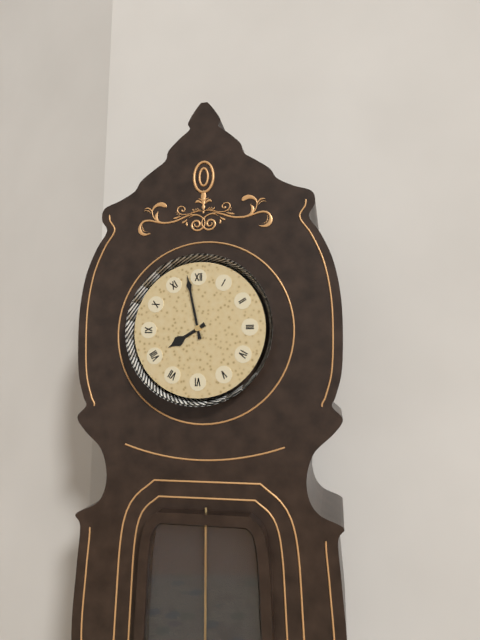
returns 7:58
